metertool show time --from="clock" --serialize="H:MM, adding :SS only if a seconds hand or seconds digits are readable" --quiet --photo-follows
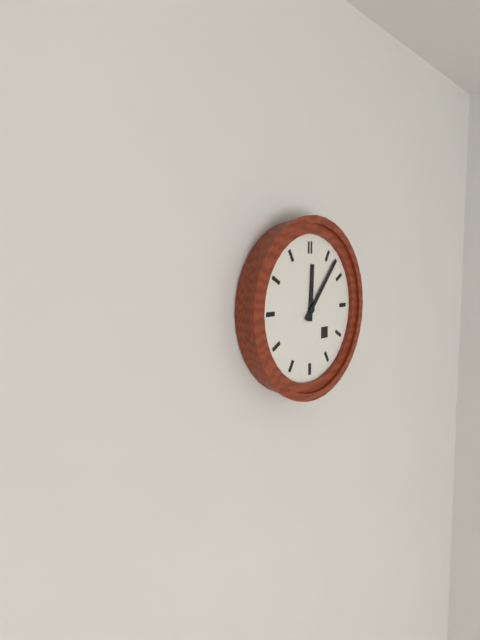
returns 12:07
